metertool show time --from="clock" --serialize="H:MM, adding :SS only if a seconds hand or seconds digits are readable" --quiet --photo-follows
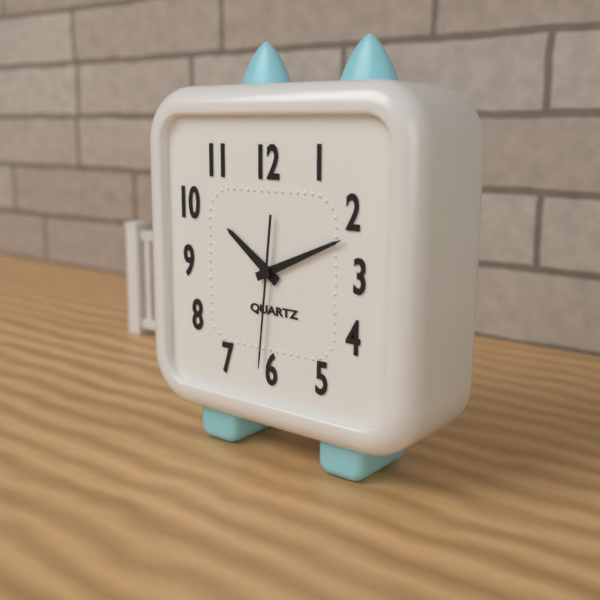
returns 10:11:31
